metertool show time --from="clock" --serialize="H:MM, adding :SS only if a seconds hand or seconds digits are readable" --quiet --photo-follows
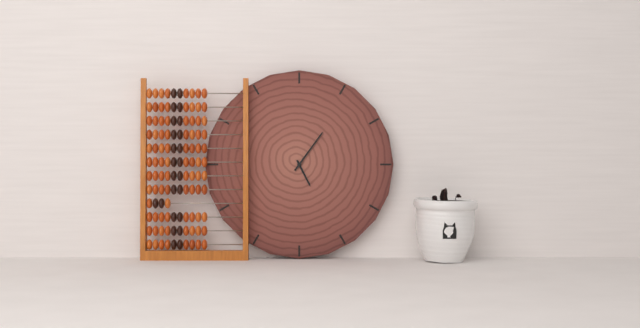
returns 5:06
